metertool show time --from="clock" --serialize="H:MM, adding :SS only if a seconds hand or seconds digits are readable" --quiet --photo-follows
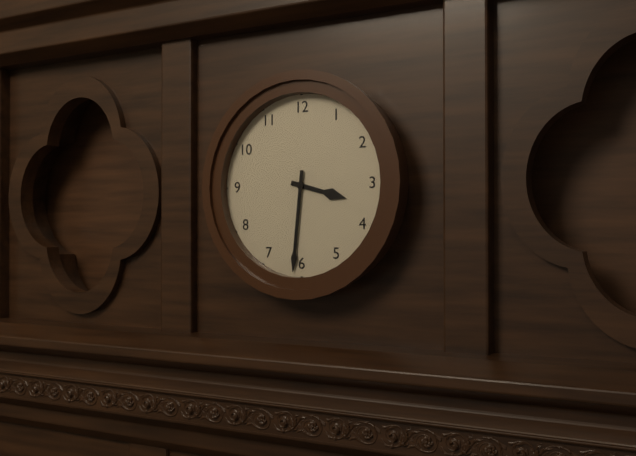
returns 3:31
